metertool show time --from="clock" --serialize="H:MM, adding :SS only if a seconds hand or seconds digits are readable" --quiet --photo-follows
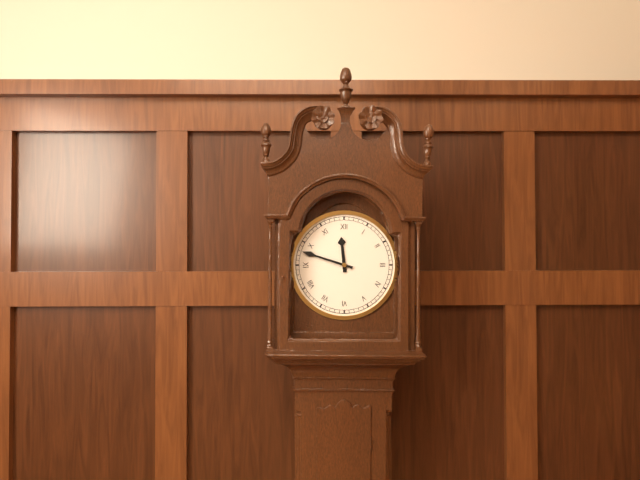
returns 11:48
